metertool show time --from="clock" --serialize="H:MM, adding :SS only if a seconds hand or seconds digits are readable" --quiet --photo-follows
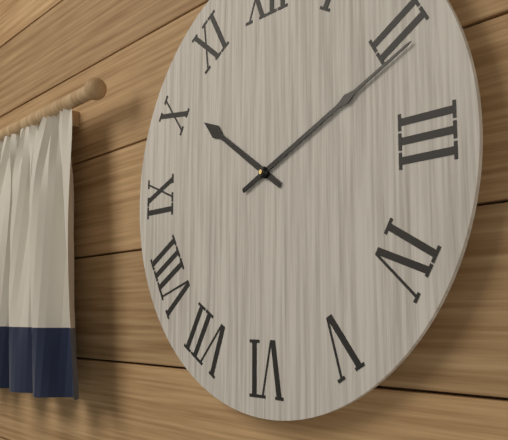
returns 10:11
